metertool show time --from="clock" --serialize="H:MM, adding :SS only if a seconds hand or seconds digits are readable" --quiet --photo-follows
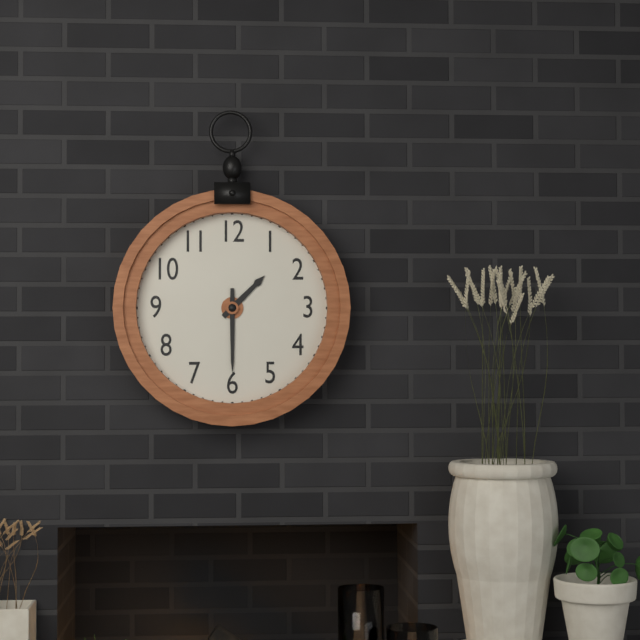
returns 1:30
